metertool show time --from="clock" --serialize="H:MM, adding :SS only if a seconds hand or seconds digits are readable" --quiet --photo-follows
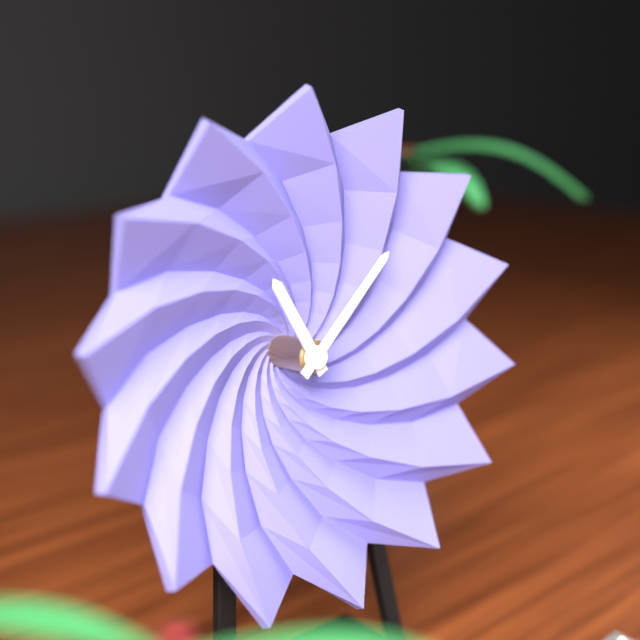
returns 11:08
